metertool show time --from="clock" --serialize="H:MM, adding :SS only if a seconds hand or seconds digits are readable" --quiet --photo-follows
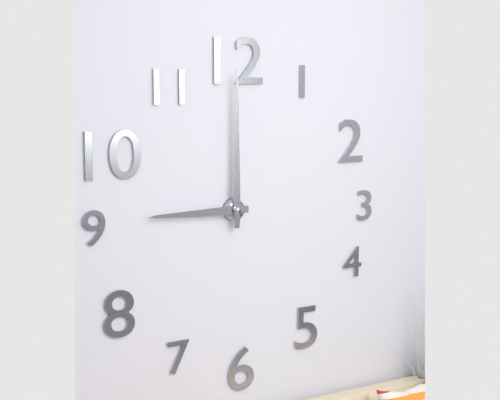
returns 9:00
